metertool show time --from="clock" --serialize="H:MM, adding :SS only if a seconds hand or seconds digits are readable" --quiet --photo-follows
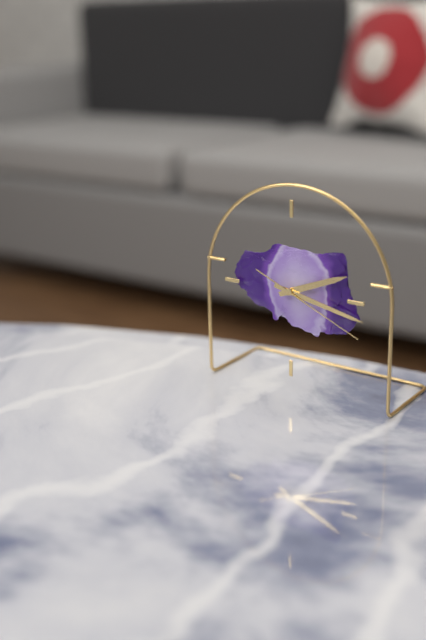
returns 2:17:19
